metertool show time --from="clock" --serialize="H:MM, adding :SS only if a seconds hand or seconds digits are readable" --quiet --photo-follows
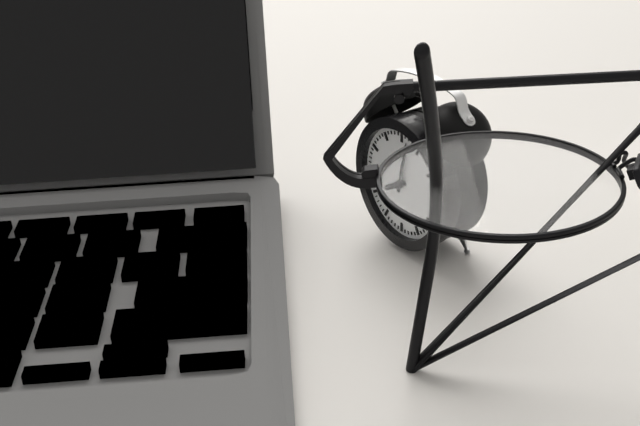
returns 8:02
